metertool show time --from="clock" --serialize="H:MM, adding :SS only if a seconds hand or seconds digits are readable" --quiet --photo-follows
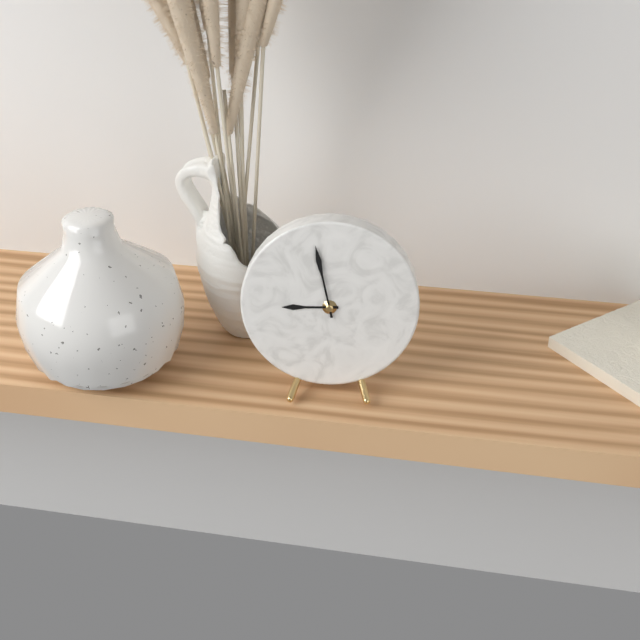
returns 8:58
